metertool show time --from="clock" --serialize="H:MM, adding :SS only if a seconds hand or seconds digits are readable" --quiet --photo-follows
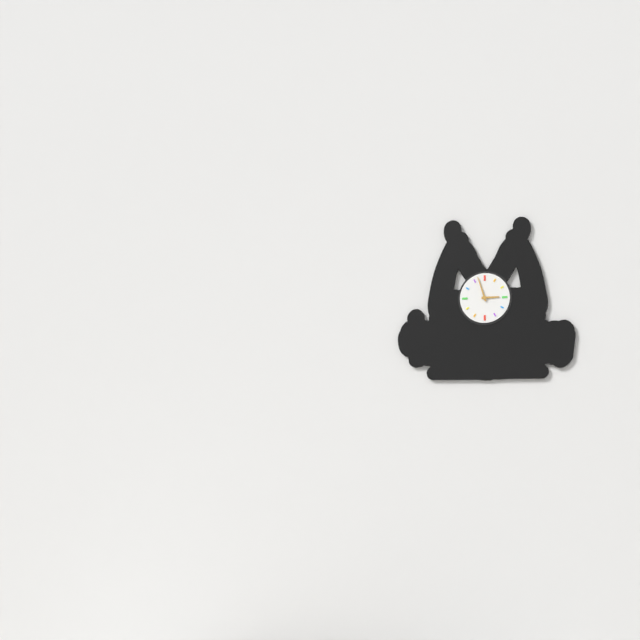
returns 2:57
